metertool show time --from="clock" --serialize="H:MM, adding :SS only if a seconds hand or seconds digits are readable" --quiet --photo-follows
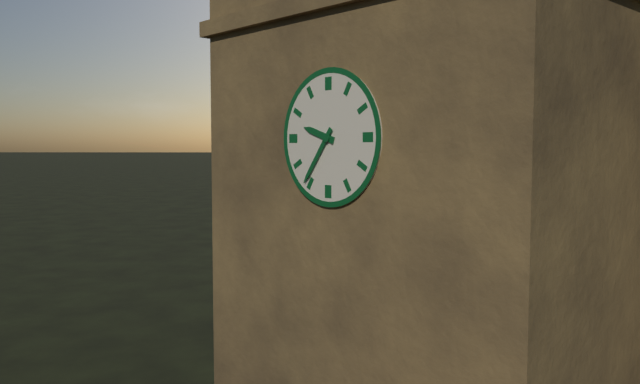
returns 9:36
